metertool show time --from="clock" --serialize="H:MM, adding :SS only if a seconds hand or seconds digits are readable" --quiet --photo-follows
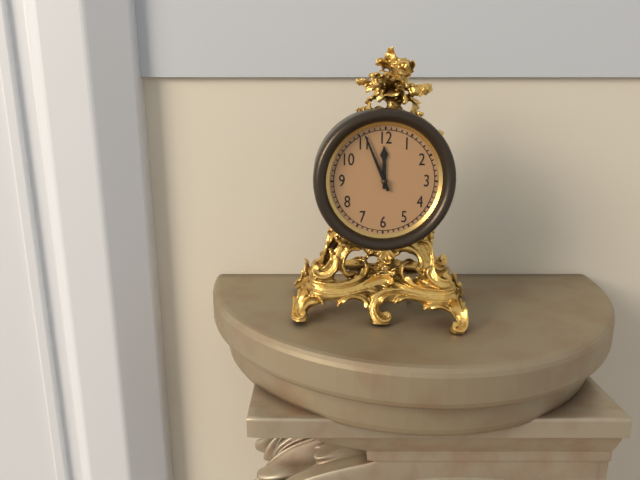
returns 11:56
